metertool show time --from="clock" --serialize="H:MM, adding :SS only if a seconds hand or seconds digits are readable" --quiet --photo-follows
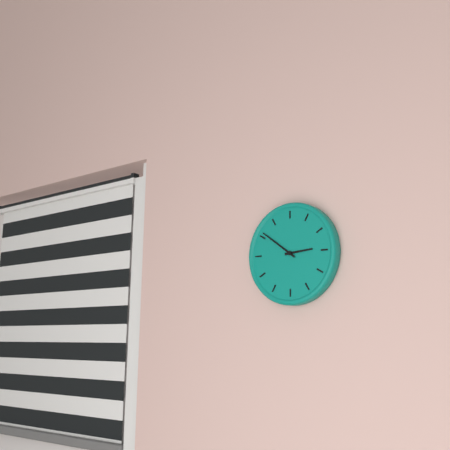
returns 2:51
